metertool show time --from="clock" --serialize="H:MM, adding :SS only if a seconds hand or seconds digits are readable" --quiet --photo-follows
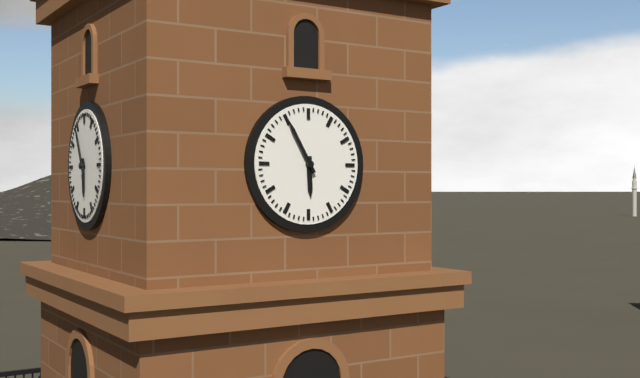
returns 5:55
